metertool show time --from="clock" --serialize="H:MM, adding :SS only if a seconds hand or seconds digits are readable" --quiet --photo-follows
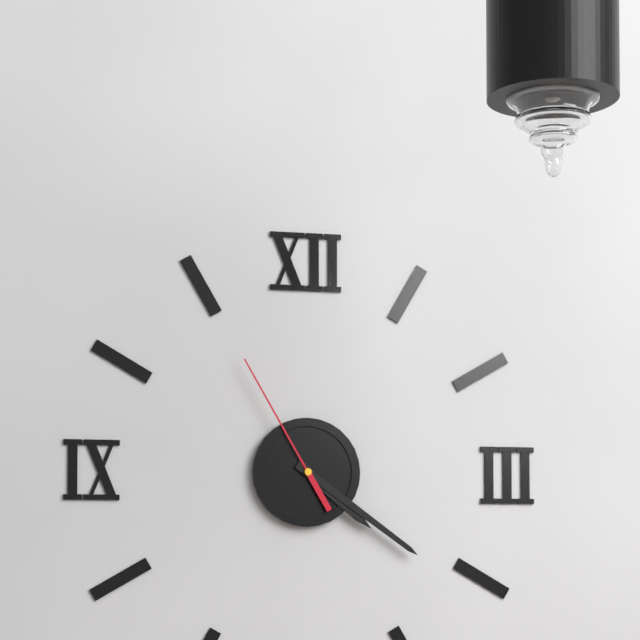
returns 4:21:55
